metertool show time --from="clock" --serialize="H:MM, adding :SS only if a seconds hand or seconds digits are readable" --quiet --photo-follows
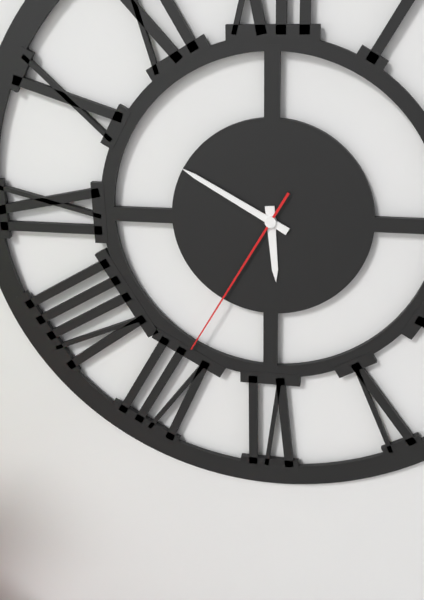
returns 5:50:35
